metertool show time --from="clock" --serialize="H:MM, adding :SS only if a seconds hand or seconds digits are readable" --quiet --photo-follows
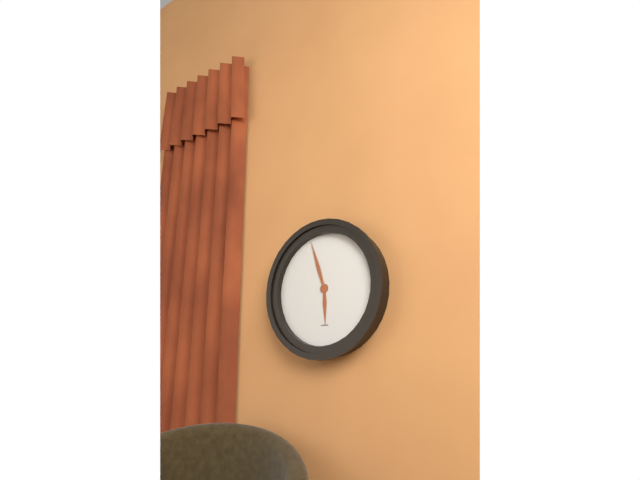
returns 5:57
